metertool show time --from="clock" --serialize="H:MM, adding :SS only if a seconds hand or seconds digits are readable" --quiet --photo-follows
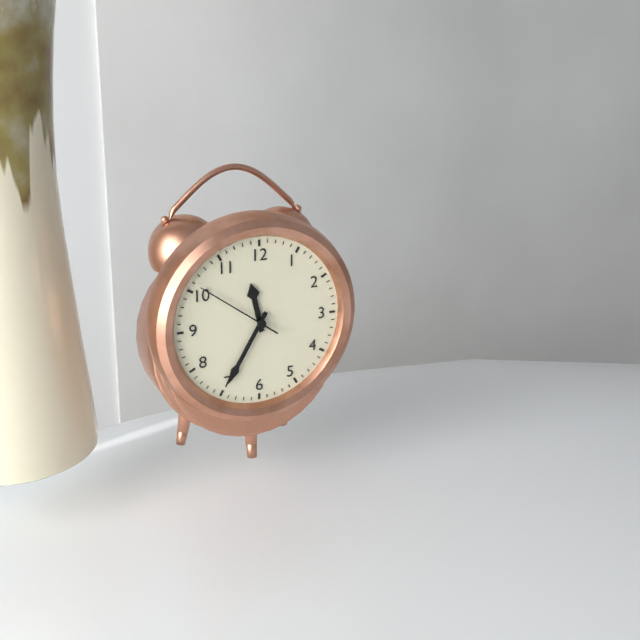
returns 11:35:51
